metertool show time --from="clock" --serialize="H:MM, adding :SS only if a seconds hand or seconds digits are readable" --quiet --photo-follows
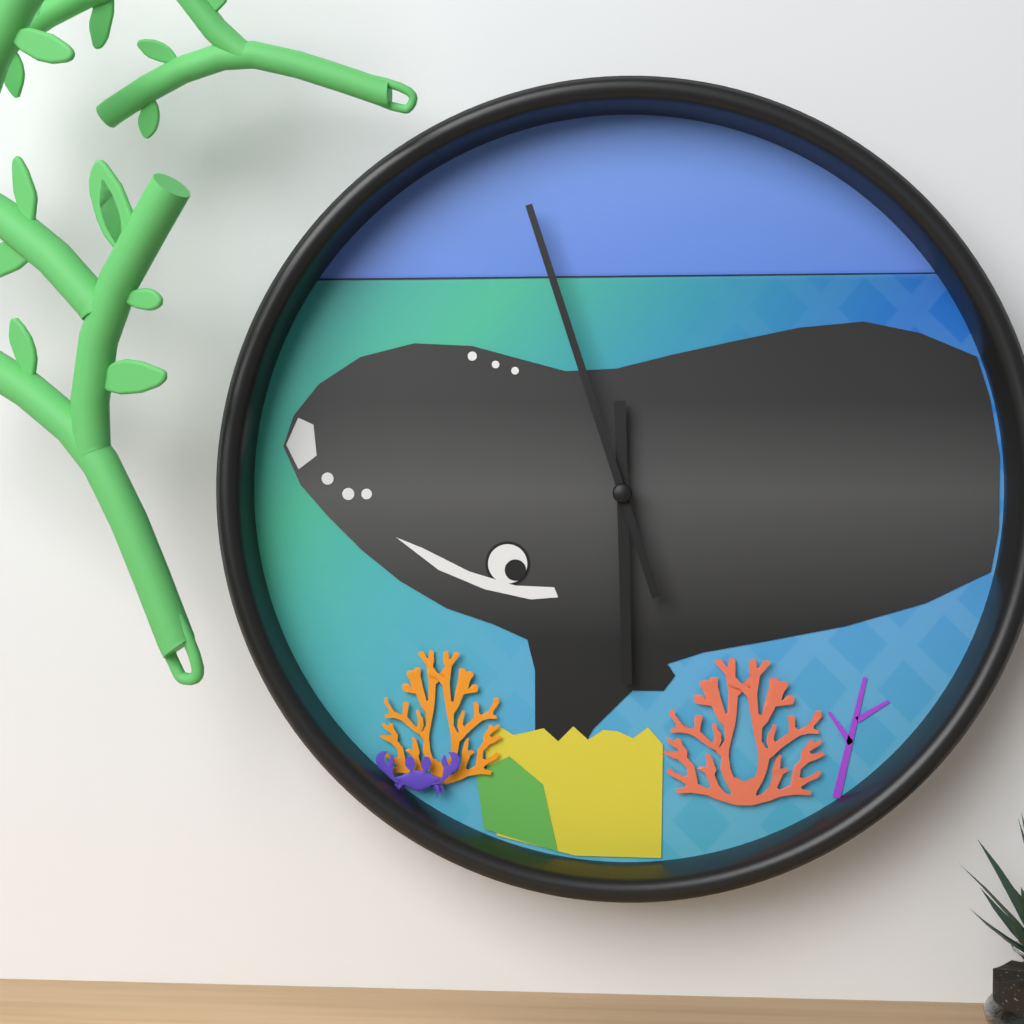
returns 5:57
